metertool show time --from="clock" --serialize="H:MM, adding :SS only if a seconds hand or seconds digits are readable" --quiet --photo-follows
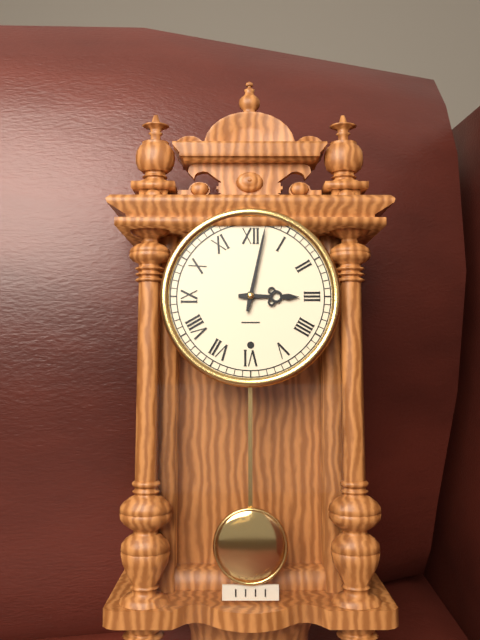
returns 3:02
